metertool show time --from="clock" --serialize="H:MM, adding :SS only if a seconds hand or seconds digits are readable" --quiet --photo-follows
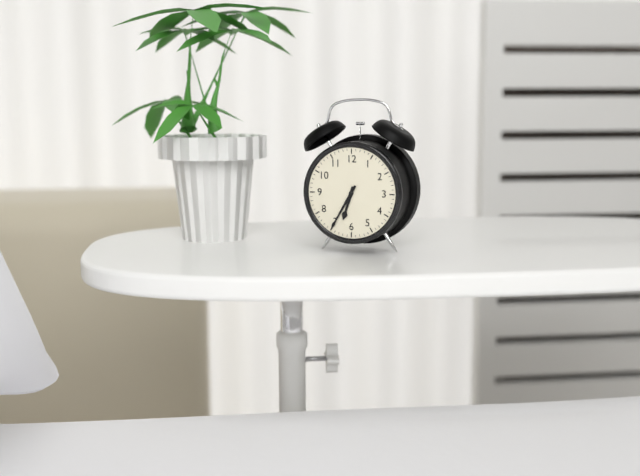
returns 6:35
